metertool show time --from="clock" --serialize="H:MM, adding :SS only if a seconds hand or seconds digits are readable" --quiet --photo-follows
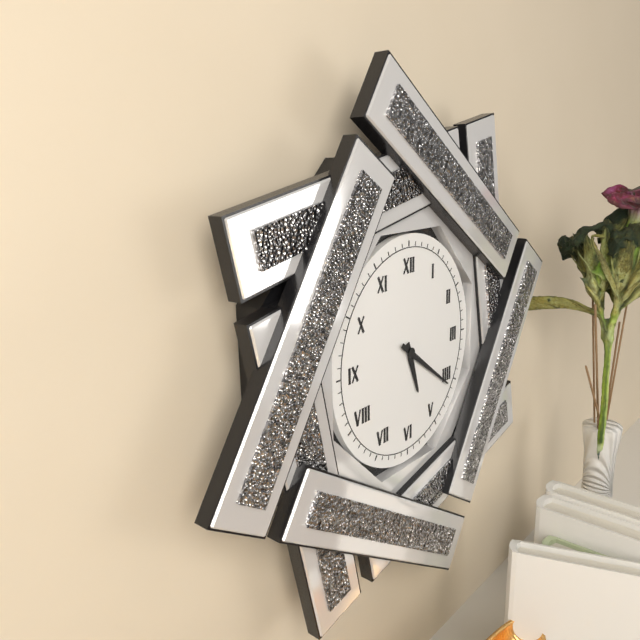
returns 5:21
